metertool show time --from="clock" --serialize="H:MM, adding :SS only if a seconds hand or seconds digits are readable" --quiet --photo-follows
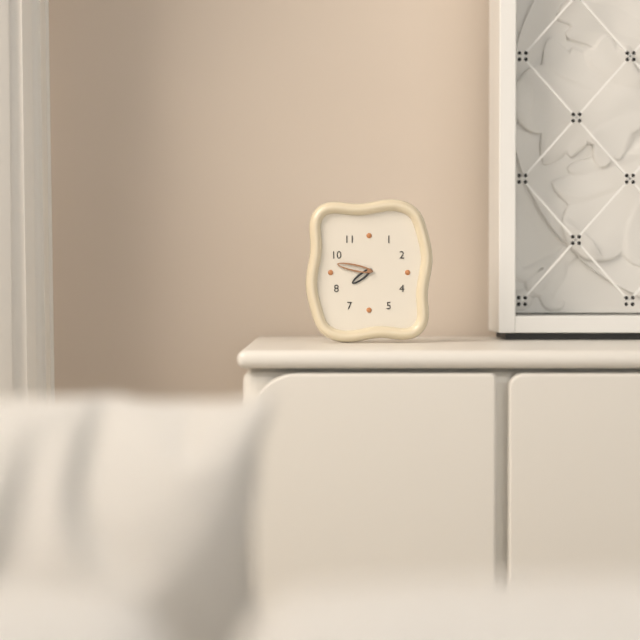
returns 7:47
